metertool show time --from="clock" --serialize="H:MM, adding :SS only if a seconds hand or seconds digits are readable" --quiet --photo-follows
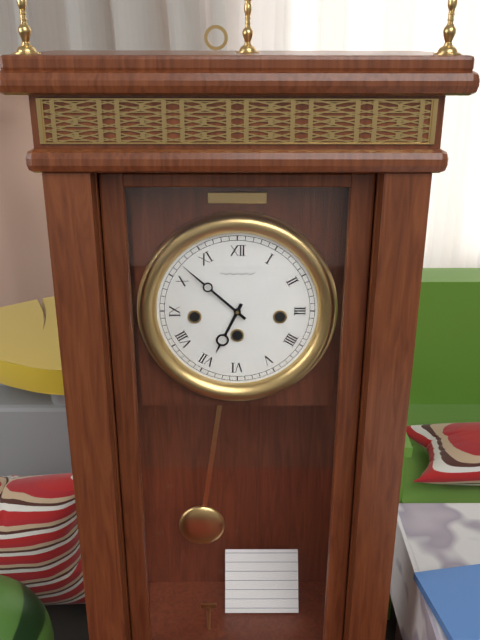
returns 6:52
